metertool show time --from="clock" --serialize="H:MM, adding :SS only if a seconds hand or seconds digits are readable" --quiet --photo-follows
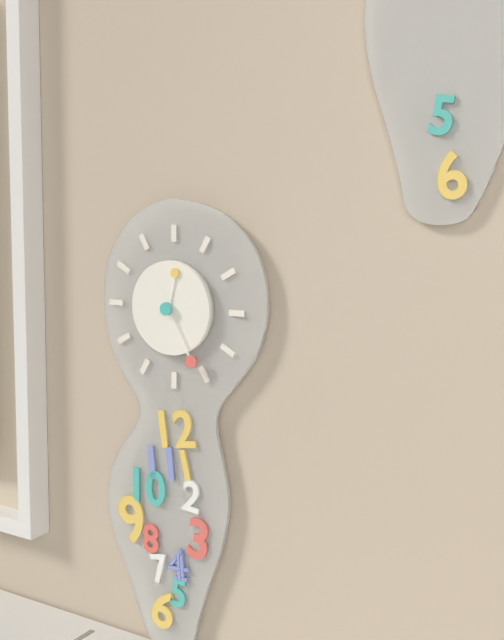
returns 12:25
